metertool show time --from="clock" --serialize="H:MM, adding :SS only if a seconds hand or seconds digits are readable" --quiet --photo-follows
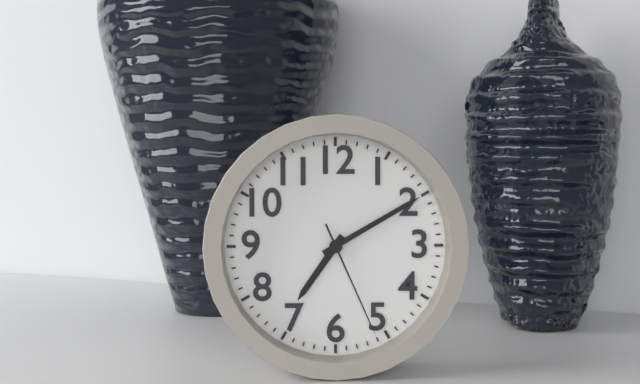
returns 7:10:26
